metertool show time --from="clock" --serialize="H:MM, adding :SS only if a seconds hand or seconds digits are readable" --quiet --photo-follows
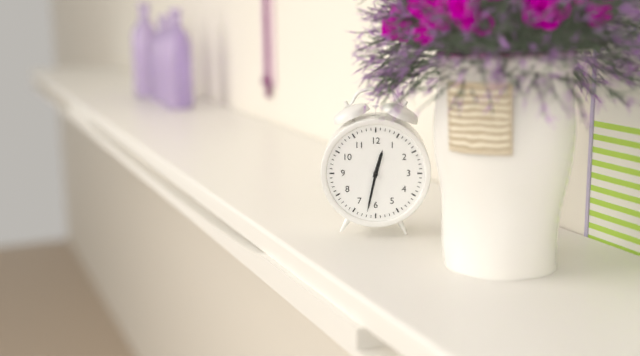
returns 12:32
